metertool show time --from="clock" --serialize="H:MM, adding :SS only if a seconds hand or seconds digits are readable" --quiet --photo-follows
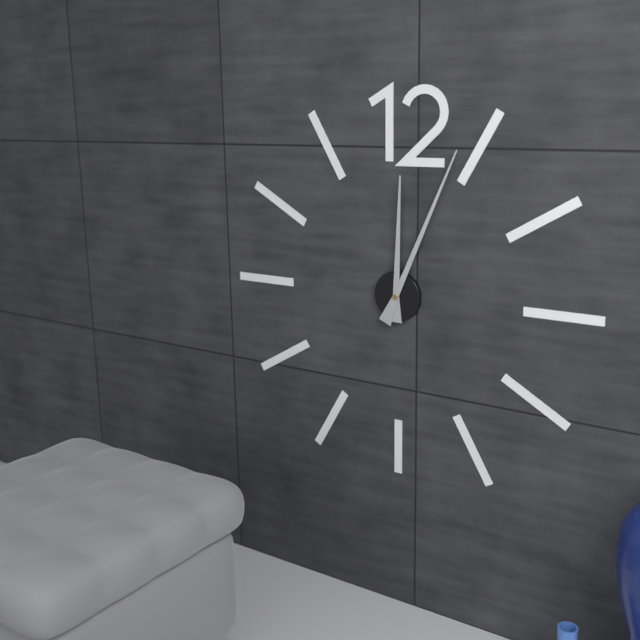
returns 12:04
